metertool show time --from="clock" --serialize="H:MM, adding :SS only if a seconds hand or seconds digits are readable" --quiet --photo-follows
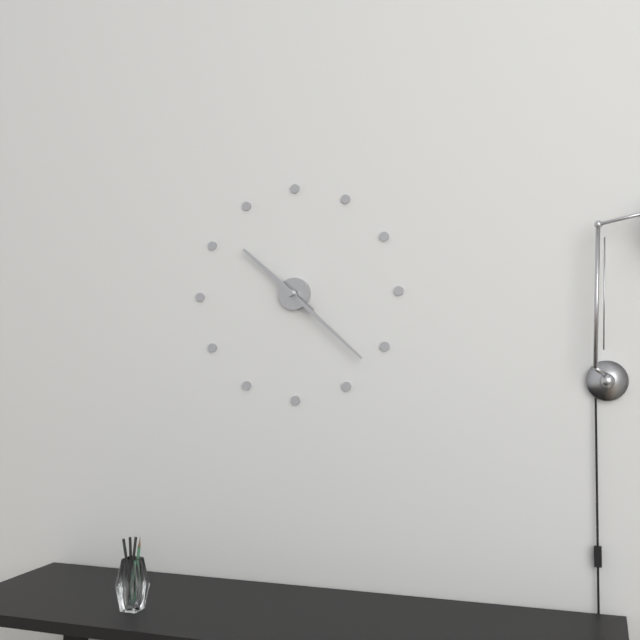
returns 10:22
